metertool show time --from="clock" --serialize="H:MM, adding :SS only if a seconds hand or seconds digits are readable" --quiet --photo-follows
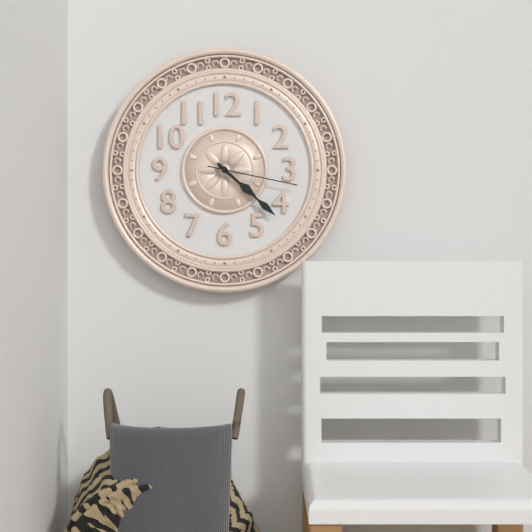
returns 4:22:17
